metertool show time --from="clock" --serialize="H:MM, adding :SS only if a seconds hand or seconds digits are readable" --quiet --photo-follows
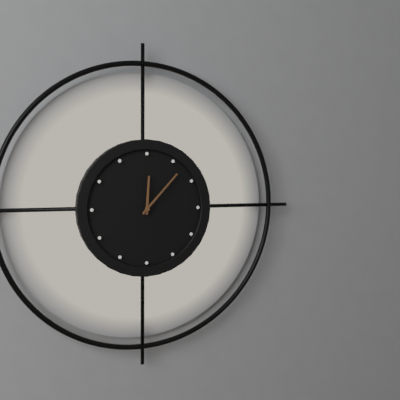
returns 12:07
